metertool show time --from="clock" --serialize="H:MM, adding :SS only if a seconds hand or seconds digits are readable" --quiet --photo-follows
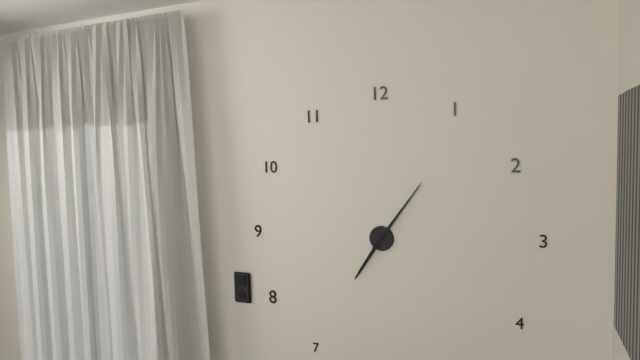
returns 7:06
